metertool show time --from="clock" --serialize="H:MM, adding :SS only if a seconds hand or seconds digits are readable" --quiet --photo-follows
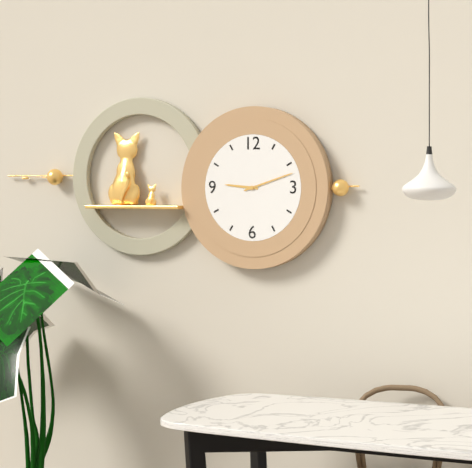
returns 9:12
